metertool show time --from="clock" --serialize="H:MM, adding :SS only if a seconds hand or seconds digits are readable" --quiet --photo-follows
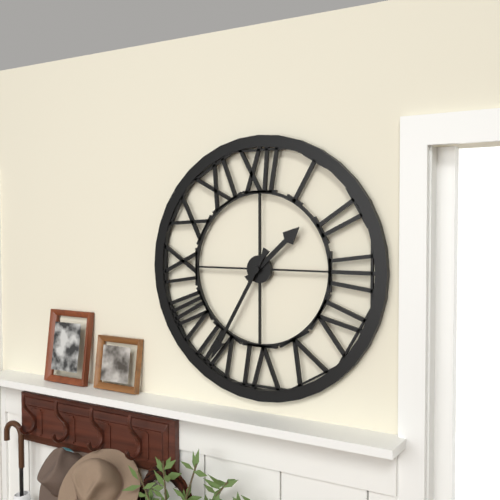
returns 1:35
